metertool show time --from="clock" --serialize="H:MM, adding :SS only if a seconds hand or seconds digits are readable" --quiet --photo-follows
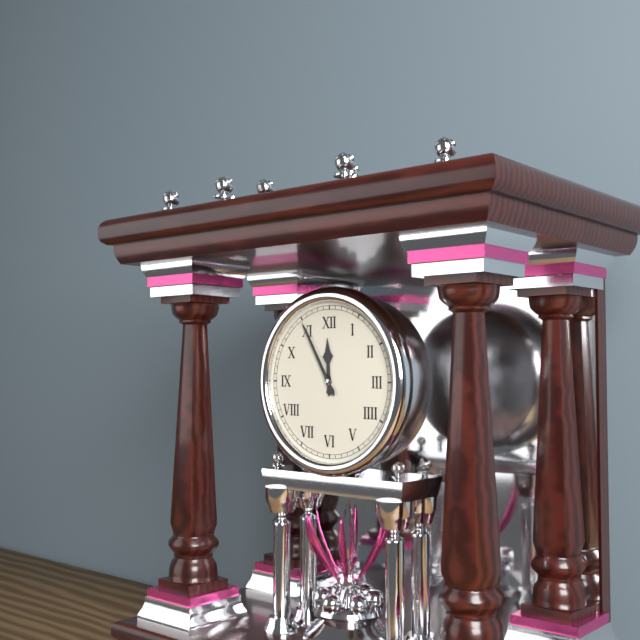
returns 11:55
